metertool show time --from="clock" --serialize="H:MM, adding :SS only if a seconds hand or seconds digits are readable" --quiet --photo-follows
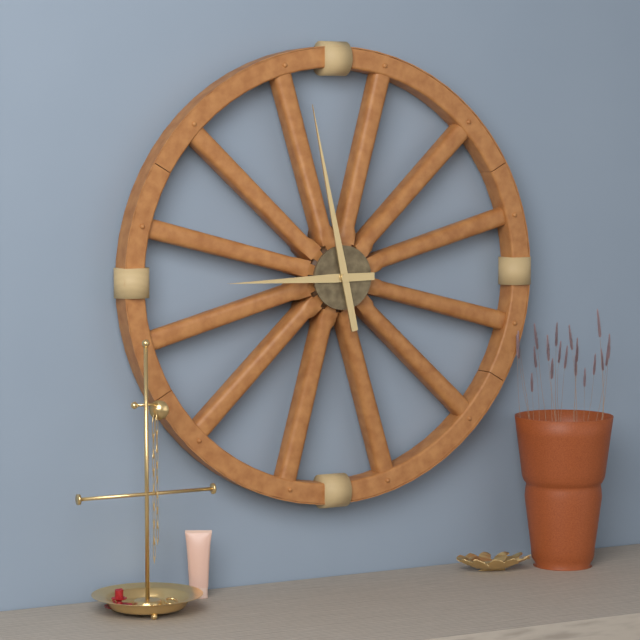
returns 8:58
